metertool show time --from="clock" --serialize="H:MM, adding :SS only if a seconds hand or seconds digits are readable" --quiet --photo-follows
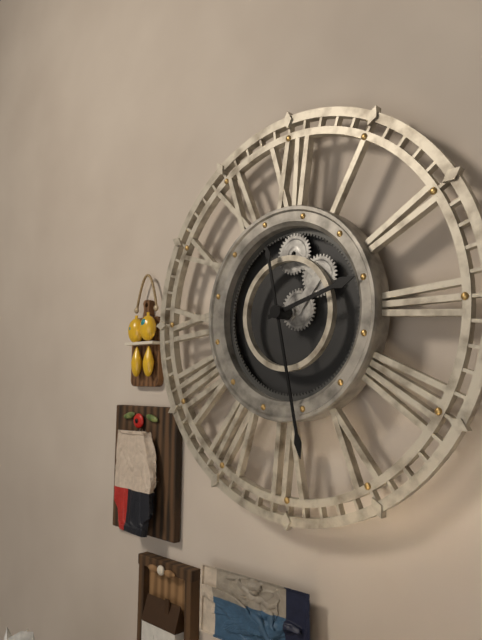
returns 2:28
